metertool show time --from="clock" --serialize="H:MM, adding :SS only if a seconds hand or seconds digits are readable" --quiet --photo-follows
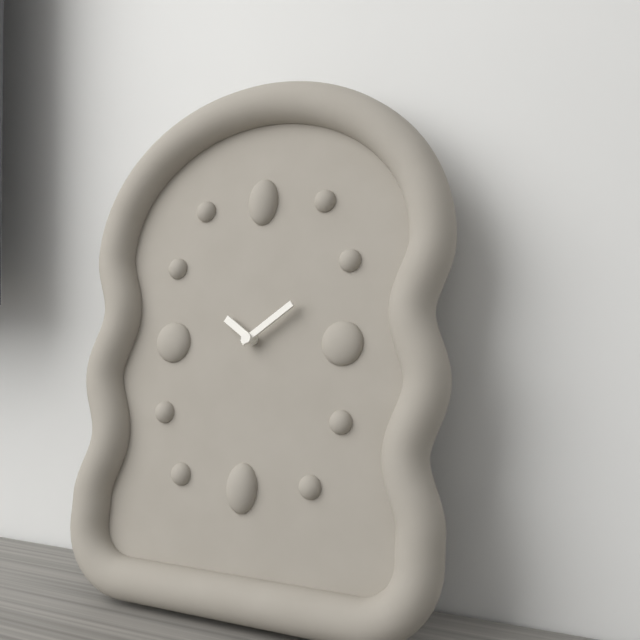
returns 10:09
